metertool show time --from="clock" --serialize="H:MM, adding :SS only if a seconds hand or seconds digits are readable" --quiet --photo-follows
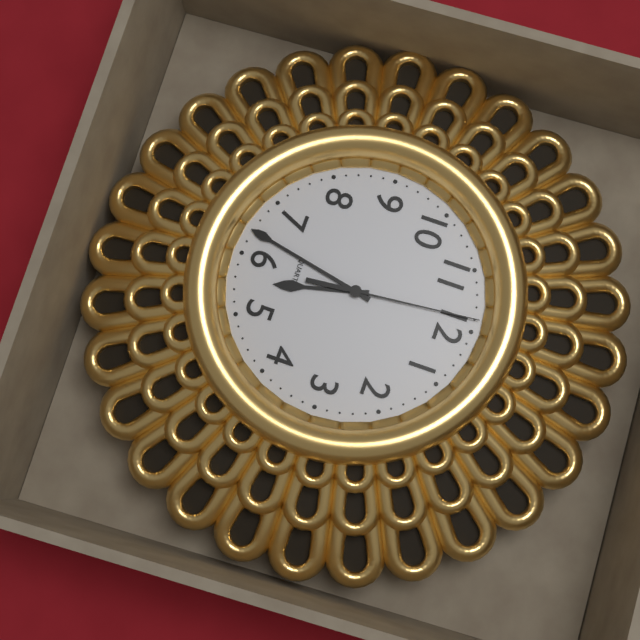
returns 5:32:59
